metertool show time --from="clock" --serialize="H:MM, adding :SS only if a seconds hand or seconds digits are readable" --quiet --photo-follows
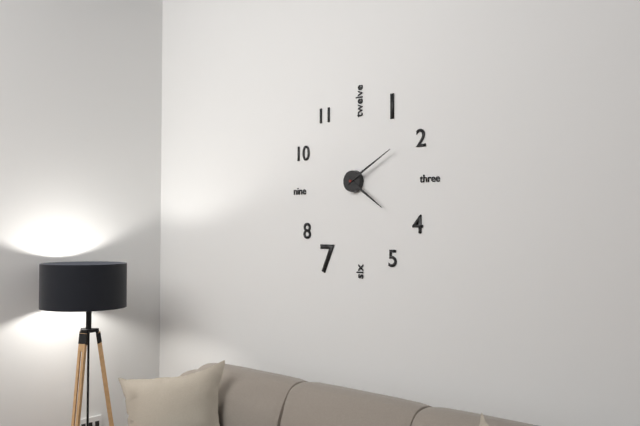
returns 4:10
